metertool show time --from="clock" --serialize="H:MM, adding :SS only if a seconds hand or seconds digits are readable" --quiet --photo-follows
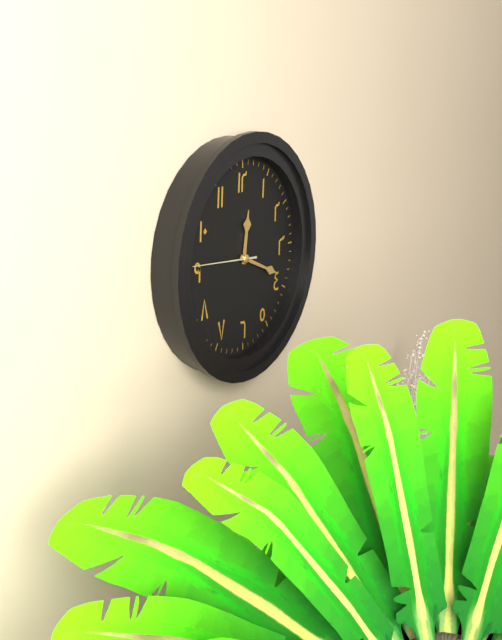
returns 12:19:46
